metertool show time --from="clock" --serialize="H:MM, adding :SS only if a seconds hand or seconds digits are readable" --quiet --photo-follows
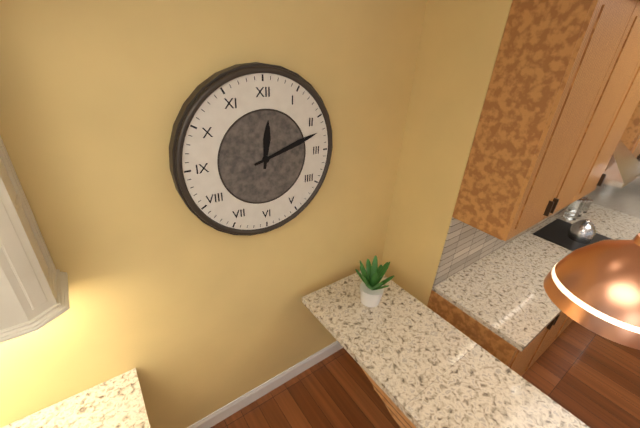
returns 12:12
